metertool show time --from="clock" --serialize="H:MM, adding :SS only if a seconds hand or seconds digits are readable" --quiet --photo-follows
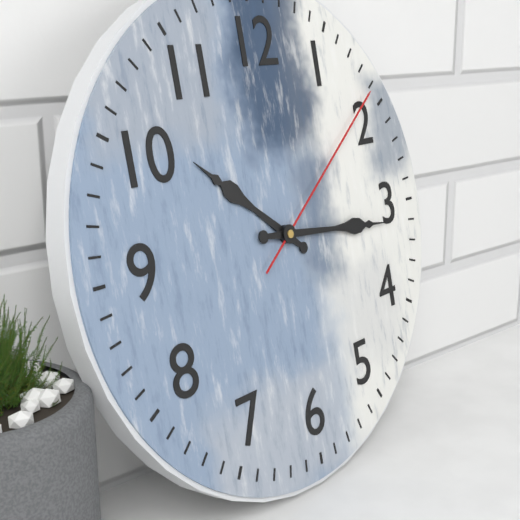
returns 10:16:09
